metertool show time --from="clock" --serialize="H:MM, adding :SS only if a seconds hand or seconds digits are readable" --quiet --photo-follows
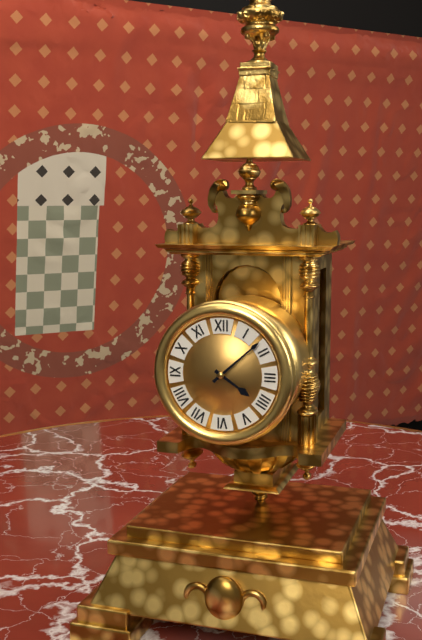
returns 4:08
